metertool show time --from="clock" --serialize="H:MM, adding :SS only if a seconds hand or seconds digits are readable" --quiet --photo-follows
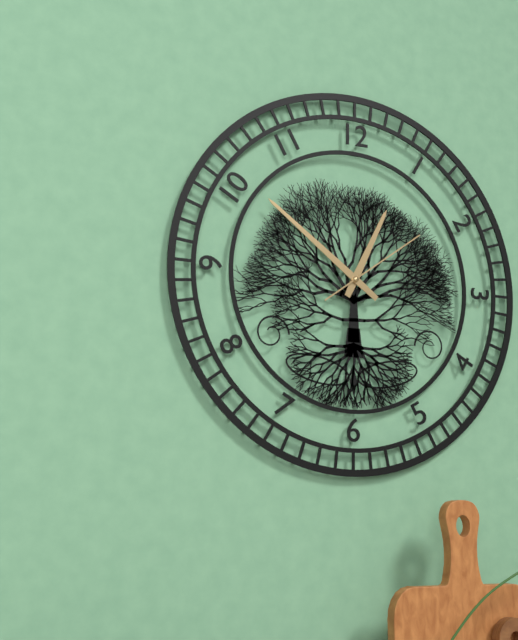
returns 12:51:09
